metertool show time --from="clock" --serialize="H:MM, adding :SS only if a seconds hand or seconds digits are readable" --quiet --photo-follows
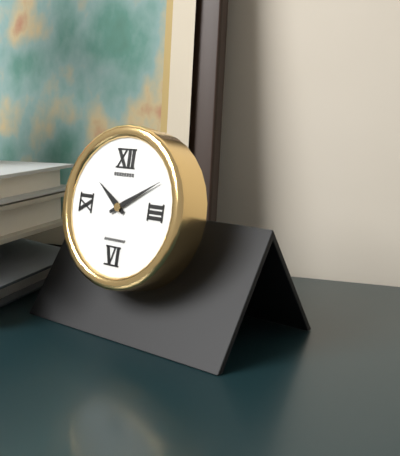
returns 10:10
